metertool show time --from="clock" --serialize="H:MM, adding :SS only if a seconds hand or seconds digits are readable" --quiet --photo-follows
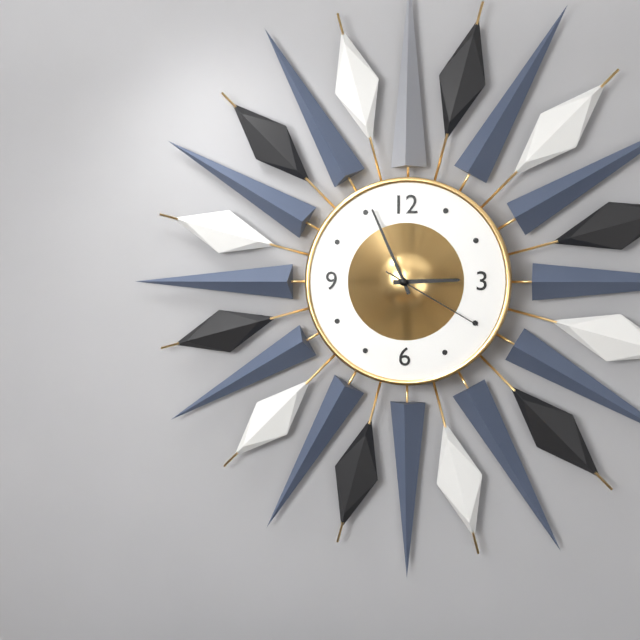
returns 2:56:20
